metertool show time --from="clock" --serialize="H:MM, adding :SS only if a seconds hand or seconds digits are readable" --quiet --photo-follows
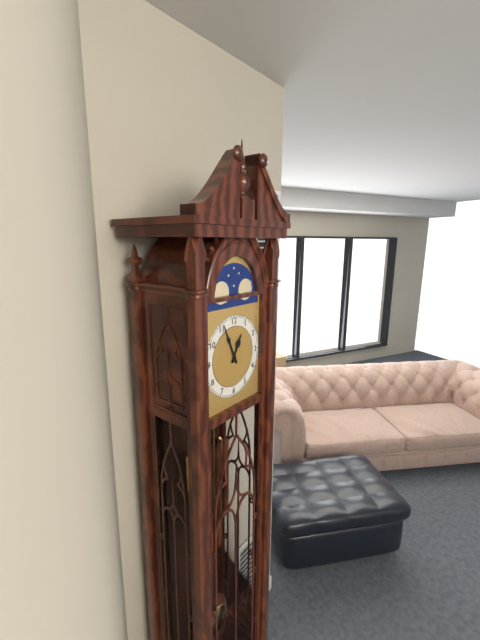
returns 12:56
